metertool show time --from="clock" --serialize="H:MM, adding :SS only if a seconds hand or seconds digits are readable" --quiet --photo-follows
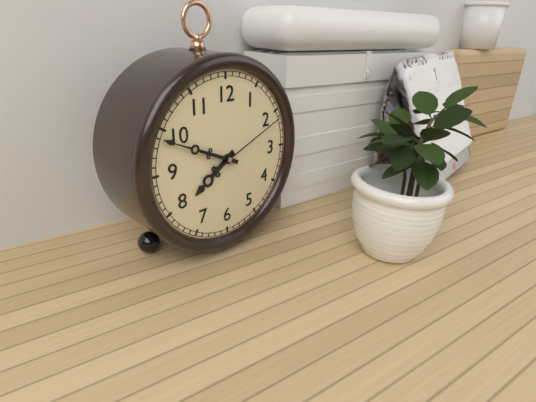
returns 7:49:11
